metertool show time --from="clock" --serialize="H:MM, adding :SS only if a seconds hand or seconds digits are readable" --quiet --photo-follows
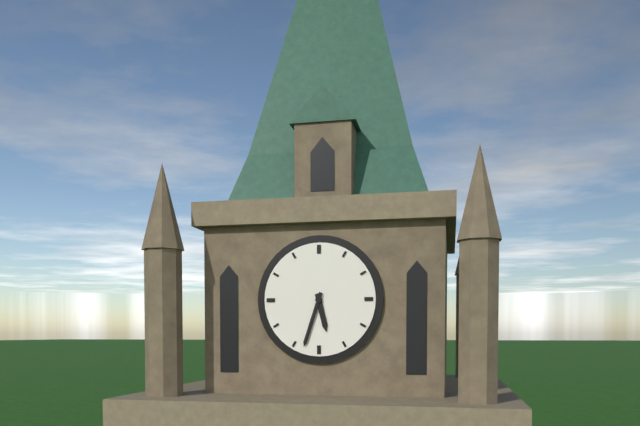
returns 5:33
